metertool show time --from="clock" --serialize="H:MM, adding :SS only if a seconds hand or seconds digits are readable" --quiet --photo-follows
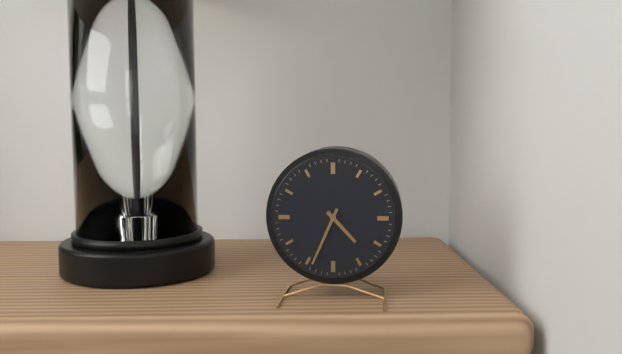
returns 4:34
